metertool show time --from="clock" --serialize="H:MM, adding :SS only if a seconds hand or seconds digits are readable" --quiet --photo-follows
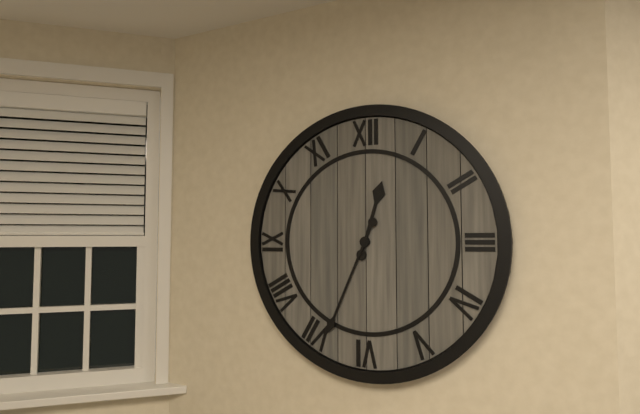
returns 12:34
